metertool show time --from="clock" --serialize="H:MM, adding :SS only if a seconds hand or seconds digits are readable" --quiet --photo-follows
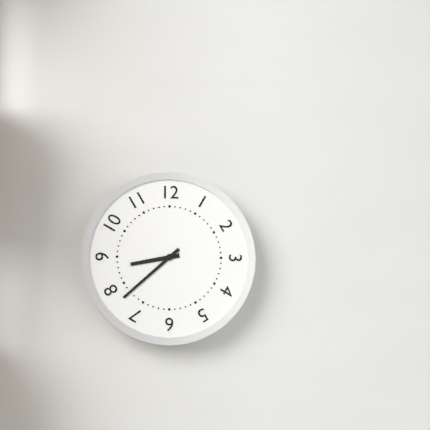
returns 8:38
